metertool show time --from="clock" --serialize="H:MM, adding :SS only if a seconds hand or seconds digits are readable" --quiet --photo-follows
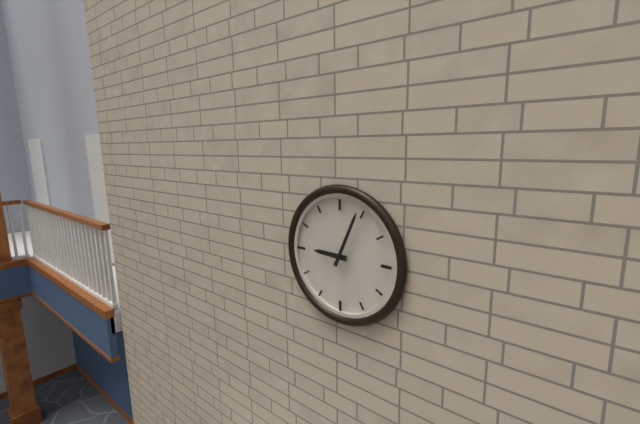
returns 9:04
